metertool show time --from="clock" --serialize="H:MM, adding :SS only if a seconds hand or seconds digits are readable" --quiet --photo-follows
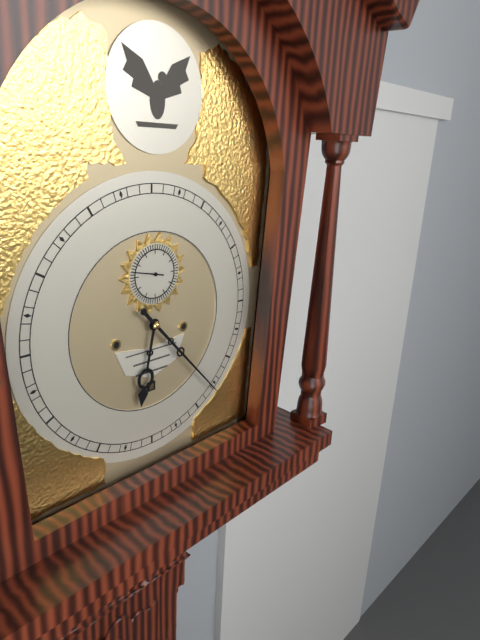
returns 6:23
